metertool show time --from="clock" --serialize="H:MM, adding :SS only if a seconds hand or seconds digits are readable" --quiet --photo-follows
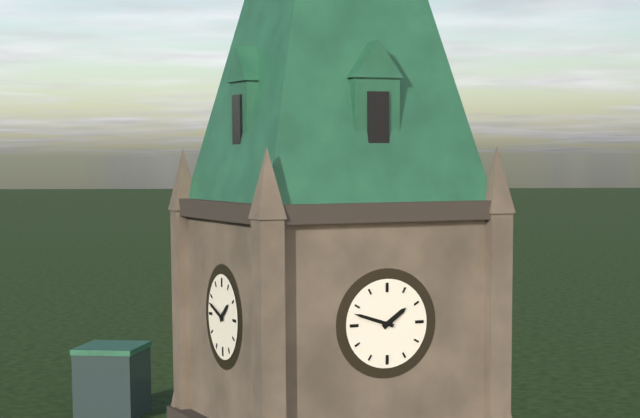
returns 1:48
